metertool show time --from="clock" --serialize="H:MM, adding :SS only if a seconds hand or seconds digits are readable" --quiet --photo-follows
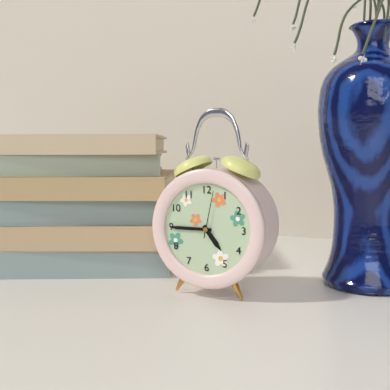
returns 4:45:02
